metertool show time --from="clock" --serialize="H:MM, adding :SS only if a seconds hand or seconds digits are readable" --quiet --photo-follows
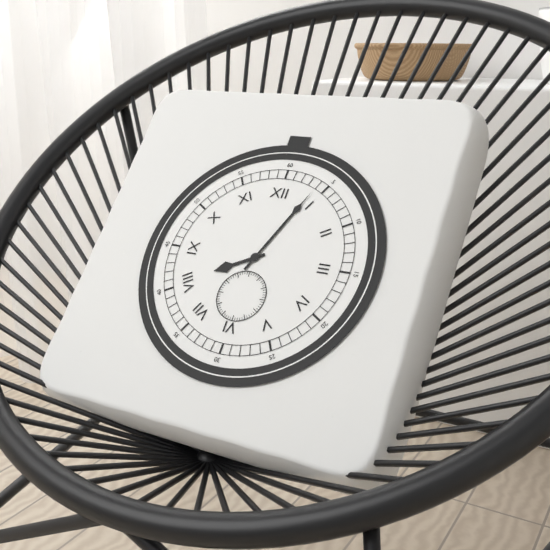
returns 8:04
